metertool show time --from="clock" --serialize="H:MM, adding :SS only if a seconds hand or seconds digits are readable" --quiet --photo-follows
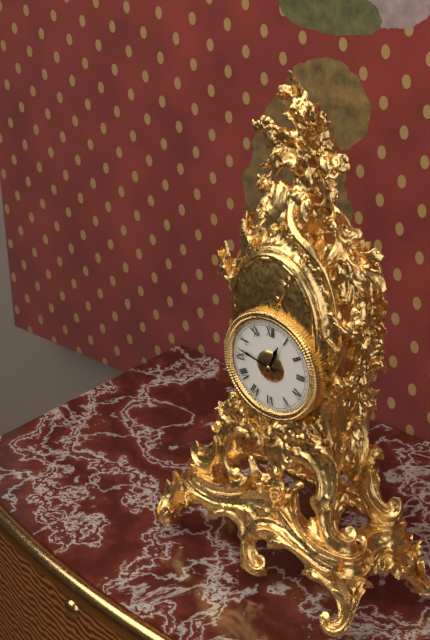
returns 12:47
